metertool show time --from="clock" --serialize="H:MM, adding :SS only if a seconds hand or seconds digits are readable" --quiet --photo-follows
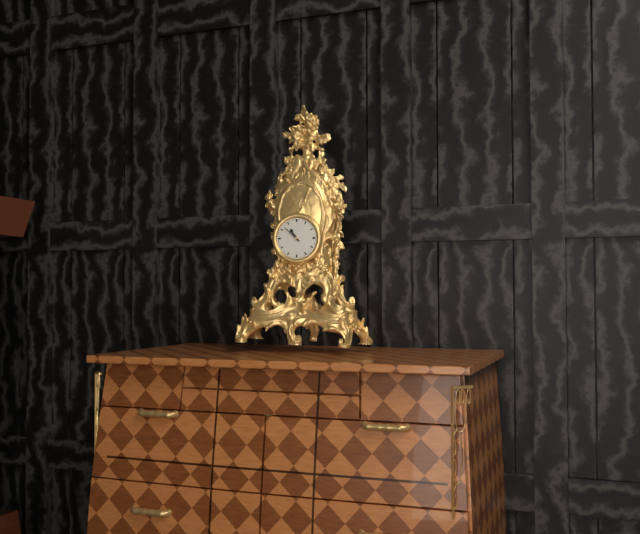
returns 10:52
